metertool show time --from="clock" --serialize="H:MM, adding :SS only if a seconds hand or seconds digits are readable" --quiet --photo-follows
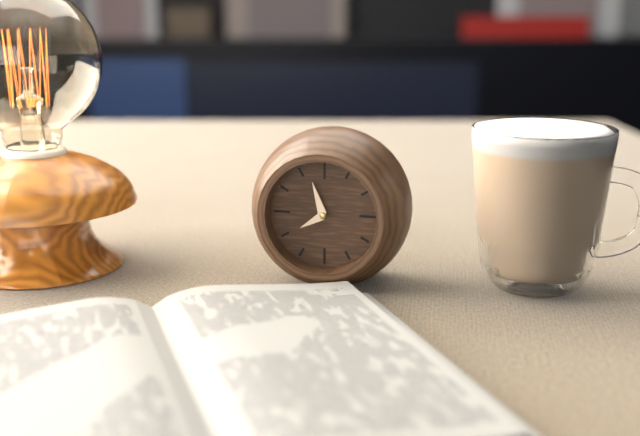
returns 7:57
